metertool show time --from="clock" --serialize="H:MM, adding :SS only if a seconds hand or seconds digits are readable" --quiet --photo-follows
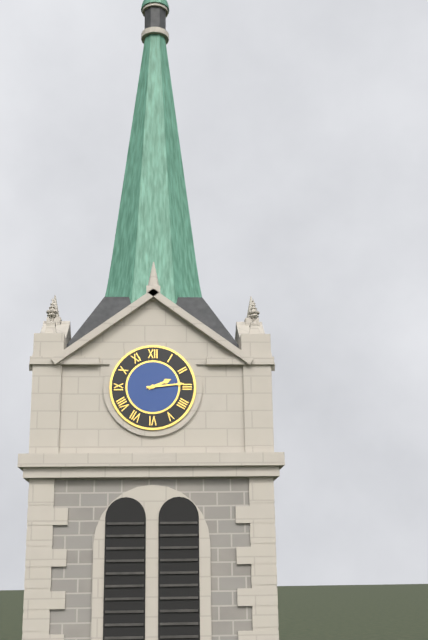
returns 2:14
